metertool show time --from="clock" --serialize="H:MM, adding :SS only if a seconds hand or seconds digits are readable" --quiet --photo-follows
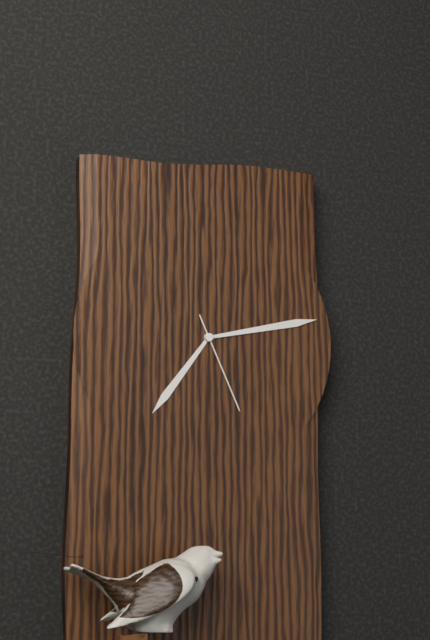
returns 7:13:26
